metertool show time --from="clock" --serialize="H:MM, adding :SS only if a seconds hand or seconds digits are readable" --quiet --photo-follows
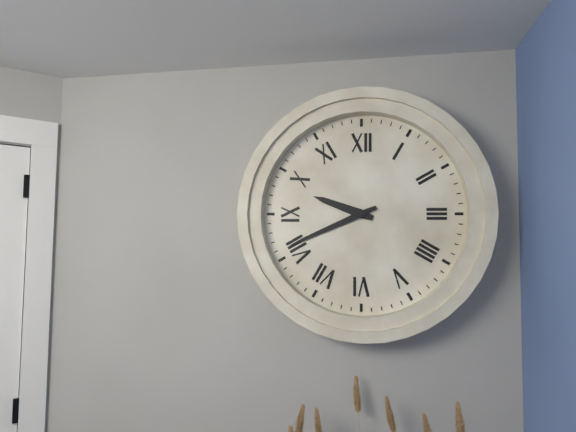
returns 9:41
